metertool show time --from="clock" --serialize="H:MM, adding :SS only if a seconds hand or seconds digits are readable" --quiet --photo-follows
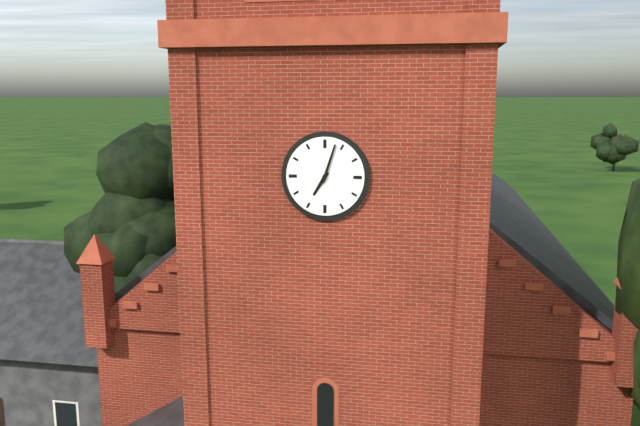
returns 7:03
